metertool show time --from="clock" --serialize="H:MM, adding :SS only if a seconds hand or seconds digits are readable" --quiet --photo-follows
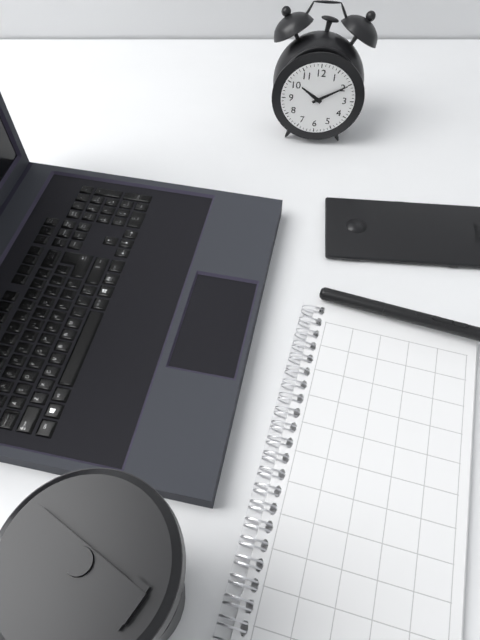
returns 10:10
